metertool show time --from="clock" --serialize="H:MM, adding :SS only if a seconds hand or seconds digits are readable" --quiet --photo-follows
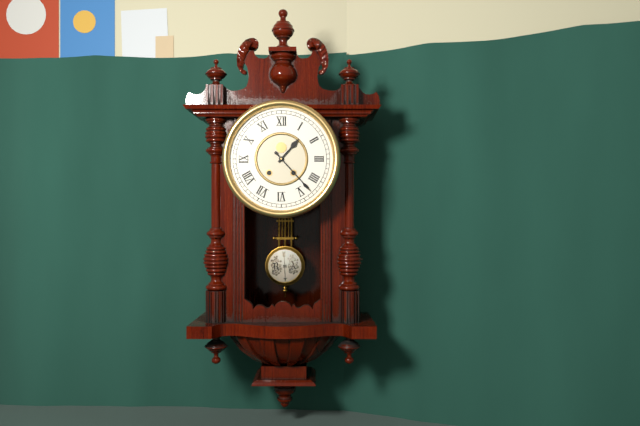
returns 1:23
